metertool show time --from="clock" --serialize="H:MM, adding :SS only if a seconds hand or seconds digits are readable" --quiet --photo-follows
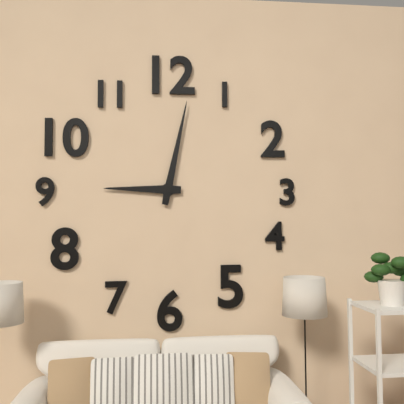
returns 9:02
